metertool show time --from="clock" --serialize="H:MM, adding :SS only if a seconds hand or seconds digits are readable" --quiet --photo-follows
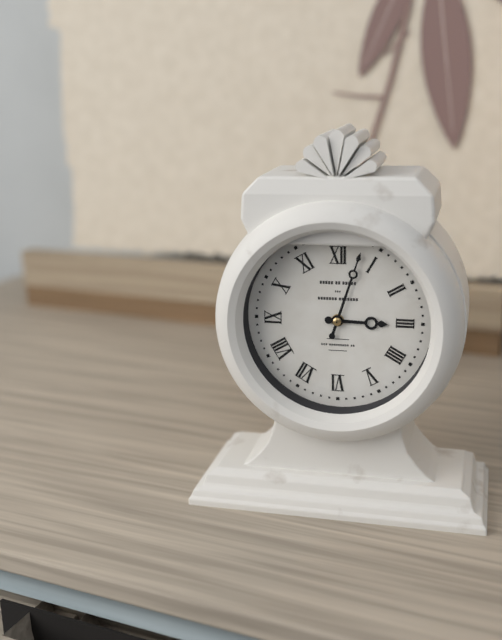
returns 3:03
